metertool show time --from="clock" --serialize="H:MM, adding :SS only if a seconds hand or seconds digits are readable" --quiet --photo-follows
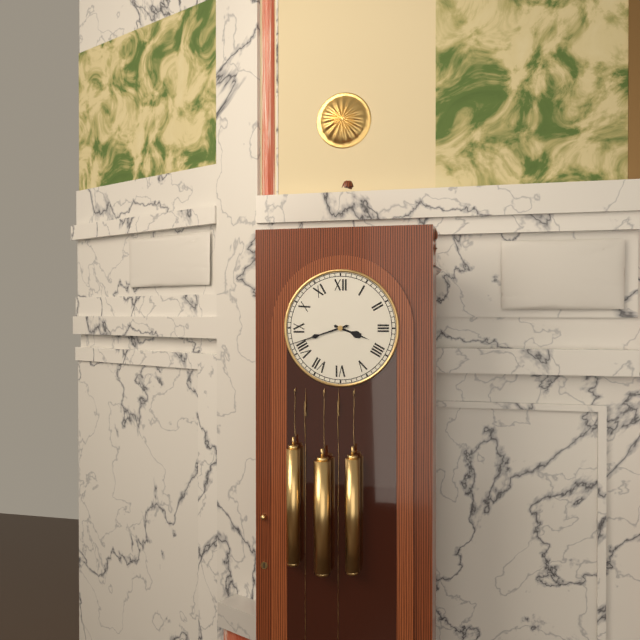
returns 3:42
